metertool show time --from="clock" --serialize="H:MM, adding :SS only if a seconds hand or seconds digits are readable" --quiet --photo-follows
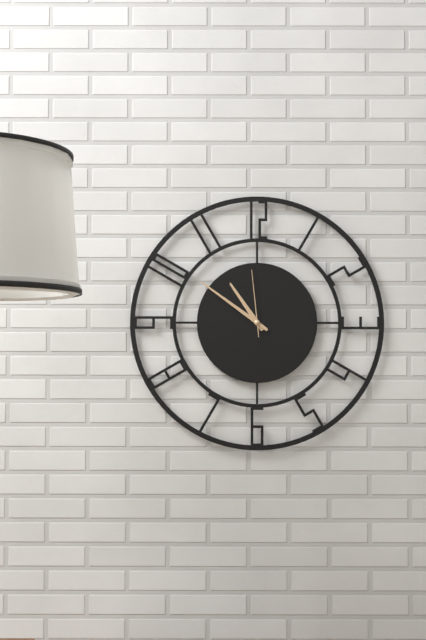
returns 10:51:59
